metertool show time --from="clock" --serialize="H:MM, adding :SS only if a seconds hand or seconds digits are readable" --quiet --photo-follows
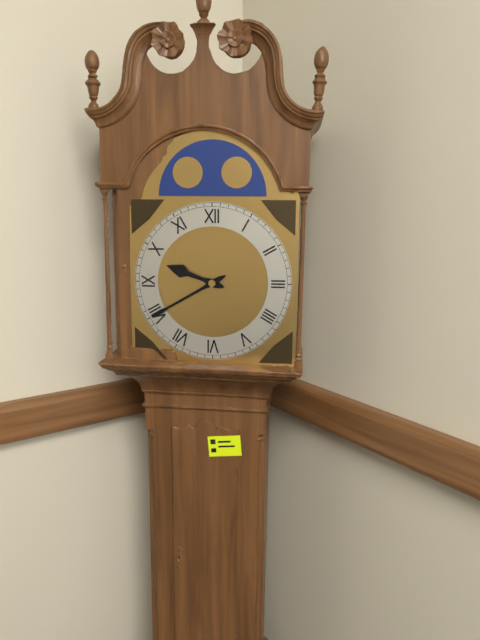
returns 9:40
